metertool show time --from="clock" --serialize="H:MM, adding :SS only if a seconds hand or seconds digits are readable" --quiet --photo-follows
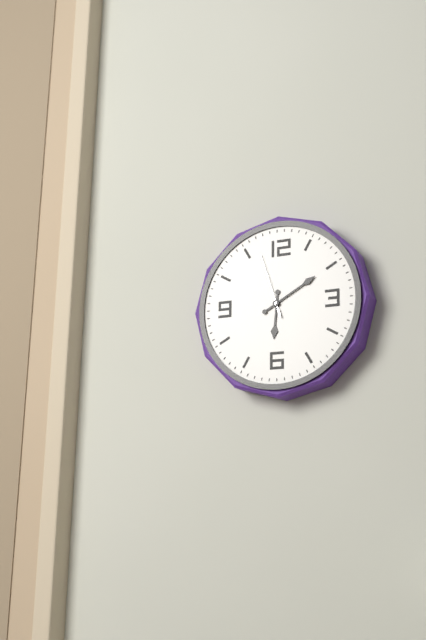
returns 6:10:57
